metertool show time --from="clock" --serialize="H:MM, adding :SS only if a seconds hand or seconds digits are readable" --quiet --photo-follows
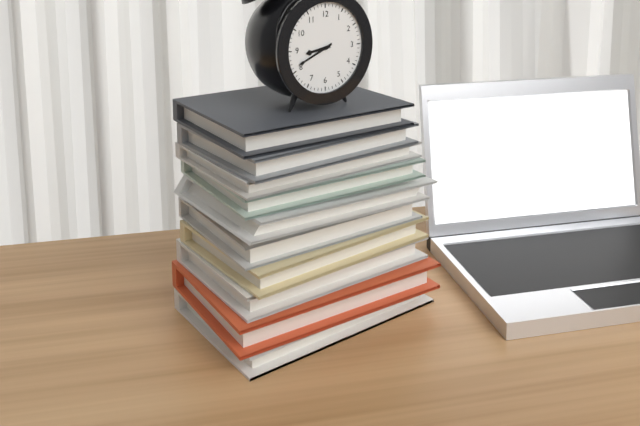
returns 8:41
